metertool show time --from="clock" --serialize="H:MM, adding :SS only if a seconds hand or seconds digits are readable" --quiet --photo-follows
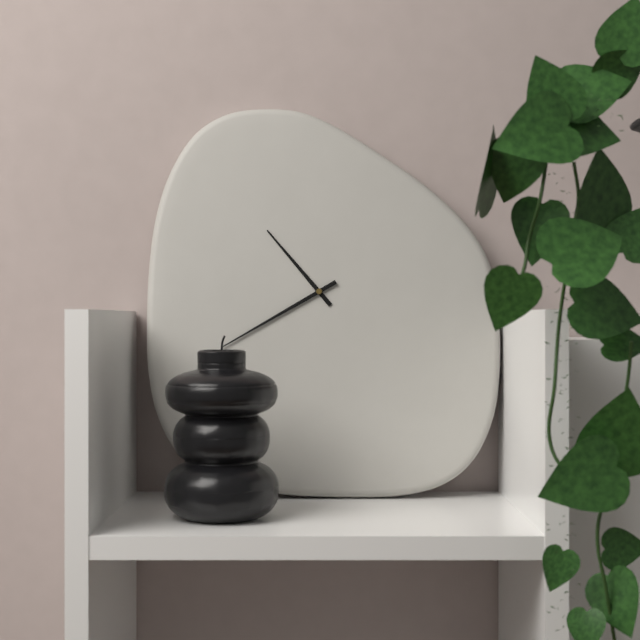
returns 10:40
